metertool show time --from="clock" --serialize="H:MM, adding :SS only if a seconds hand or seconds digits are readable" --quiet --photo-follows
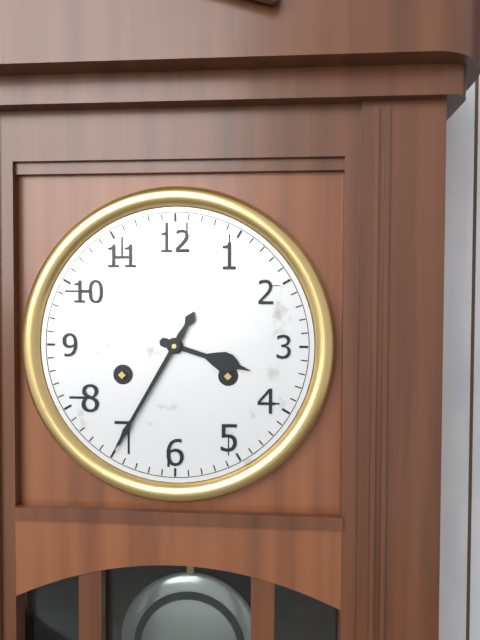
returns 3:35
